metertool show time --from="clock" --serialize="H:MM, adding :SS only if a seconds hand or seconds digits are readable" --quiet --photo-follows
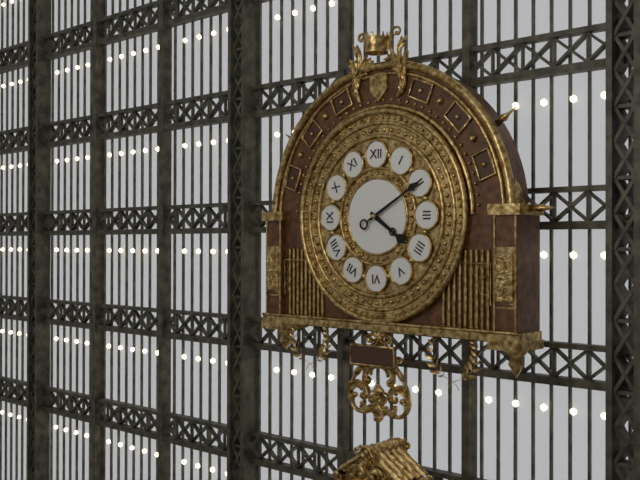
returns 4:10
